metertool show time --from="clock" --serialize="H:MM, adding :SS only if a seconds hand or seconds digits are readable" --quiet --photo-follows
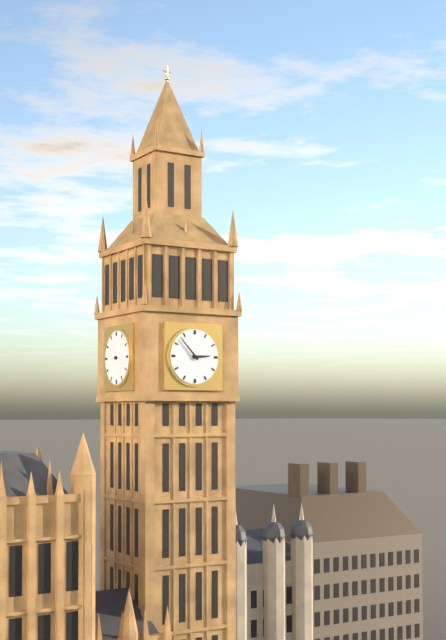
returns 2:53
